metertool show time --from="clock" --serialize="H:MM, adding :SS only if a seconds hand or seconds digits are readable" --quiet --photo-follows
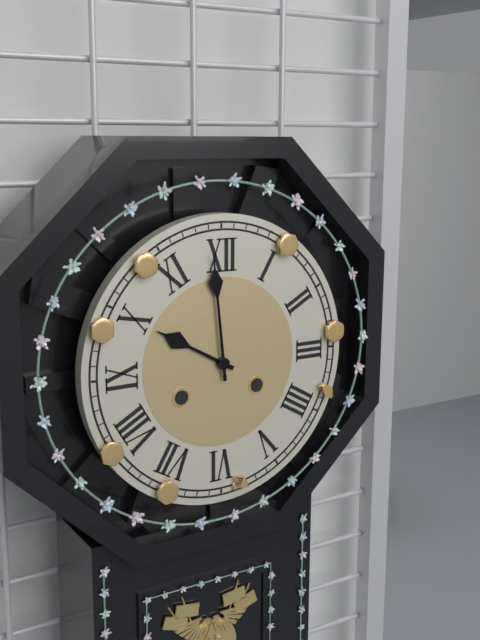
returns 9:59
